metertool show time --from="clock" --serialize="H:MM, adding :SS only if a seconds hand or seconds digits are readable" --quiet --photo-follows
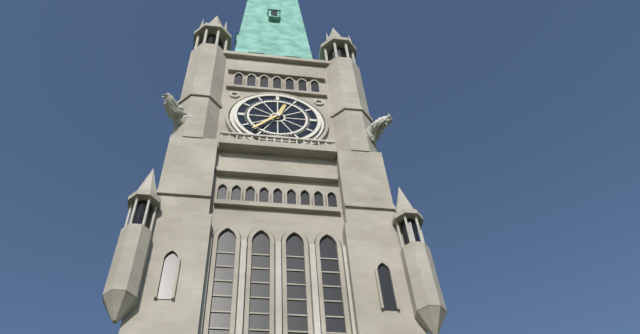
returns 12:37
